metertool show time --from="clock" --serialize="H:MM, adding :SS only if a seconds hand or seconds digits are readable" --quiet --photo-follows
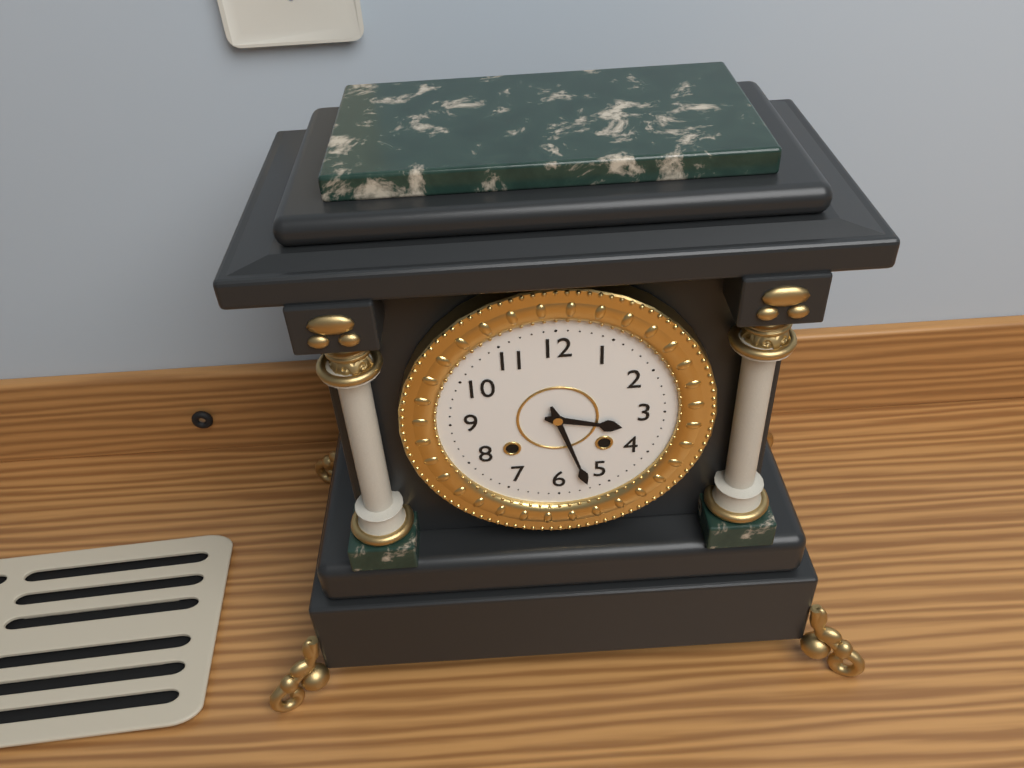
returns 3:27
